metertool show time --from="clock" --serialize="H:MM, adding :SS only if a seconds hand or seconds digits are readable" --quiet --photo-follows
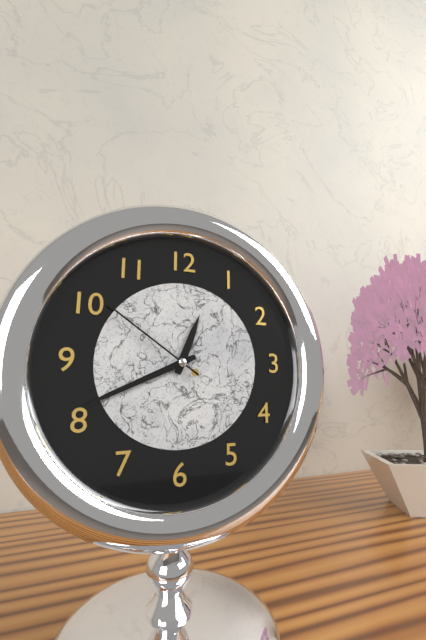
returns 12:41:51
